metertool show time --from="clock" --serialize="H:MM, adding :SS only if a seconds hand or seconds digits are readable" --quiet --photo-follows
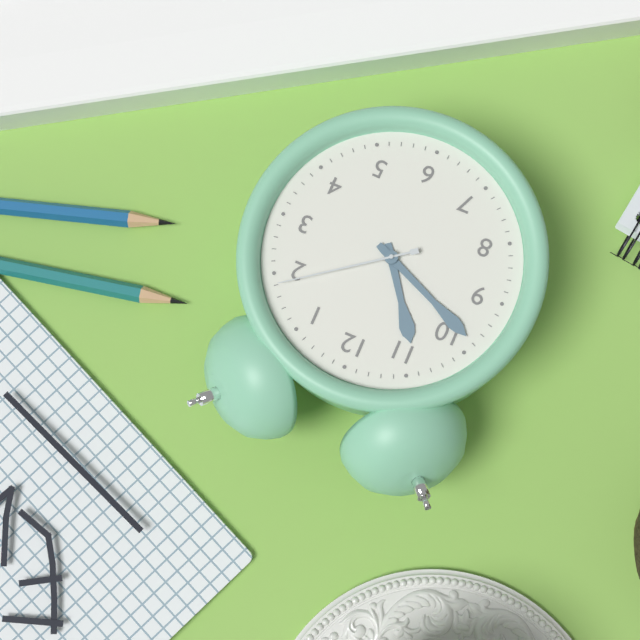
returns 10:49:09
